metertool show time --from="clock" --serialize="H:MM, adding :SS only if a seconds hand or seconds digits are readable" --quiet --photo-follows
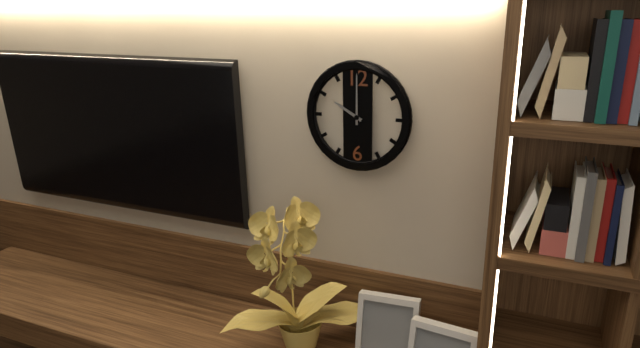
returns 10:00
